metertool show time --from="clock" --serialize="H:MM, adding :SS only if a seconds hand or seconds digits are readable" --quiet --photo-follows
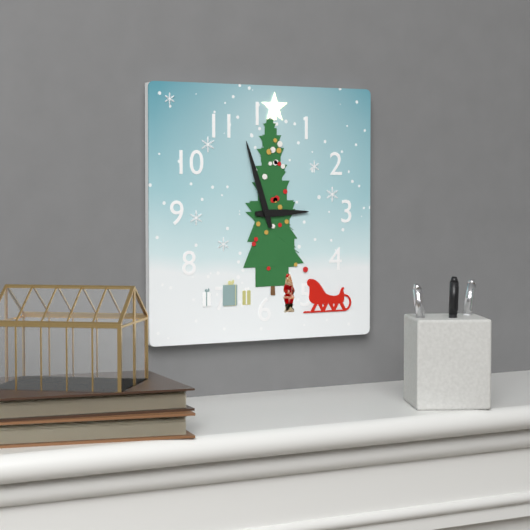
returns 2:57
